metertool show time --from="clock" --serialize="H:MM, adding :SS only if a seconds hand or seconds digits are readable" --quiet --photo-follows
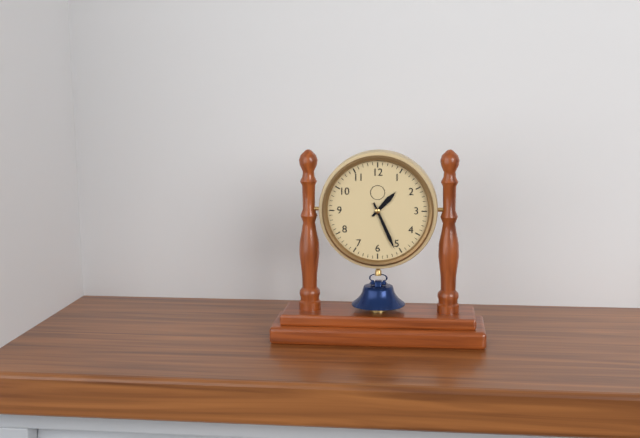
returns 1:26
